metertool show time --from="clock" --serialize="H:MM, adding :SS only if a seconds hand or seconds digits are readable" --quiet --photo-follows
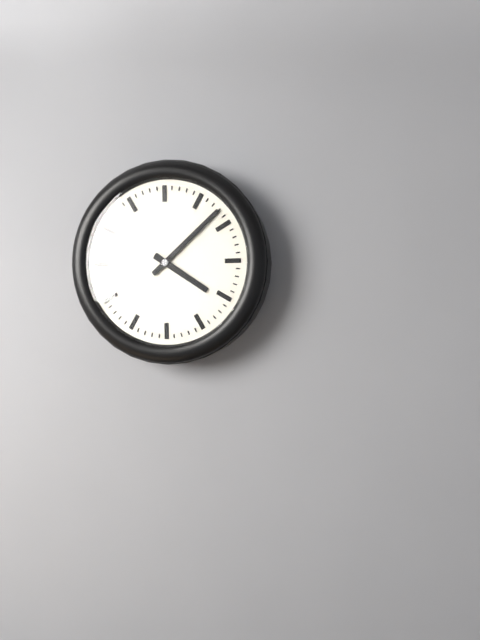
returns 4:08
